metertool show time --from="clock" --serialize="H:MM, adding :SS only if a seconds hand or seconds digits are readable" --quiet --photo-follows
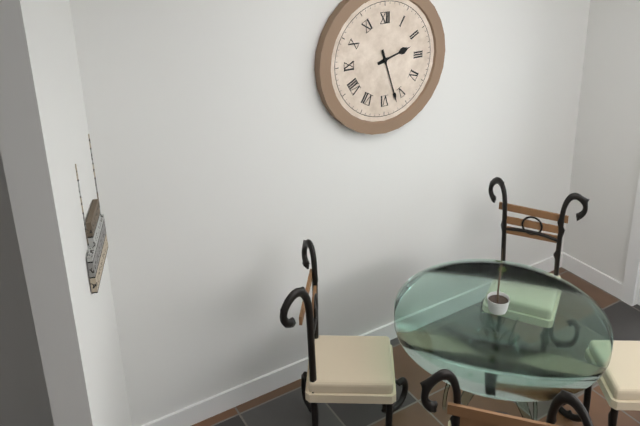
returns 2:27
